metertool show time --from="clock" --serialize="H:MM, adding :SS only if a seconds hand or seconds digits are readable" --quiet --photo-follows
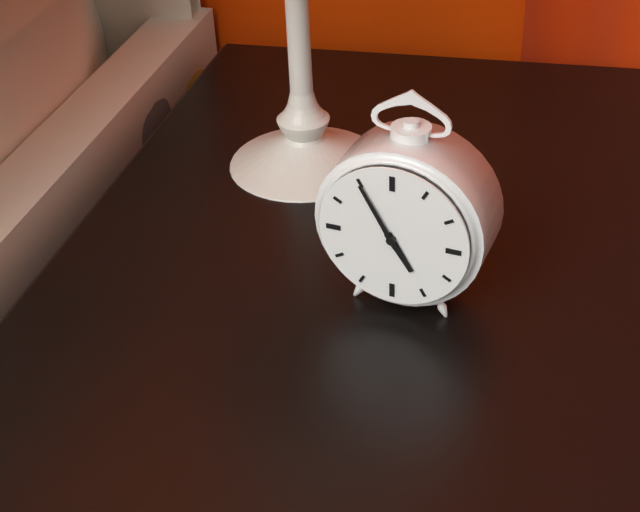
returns 4:55
